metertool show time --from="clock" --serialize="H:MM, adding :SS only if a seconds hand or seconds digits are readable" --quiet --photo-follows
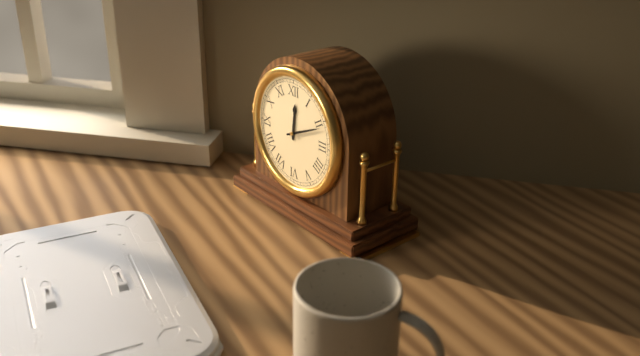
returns 12:11
